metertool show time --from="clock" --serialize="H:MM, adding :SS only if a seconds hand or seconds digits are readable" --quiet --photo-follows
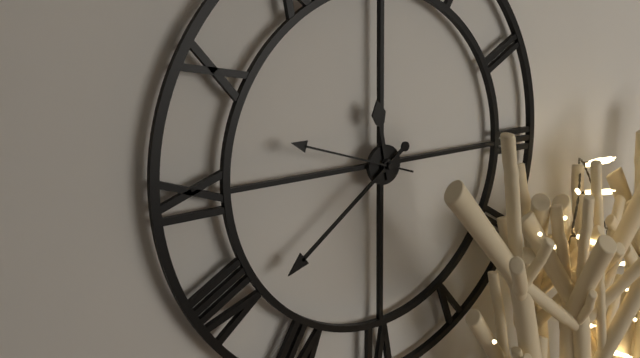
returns 11:39:48
